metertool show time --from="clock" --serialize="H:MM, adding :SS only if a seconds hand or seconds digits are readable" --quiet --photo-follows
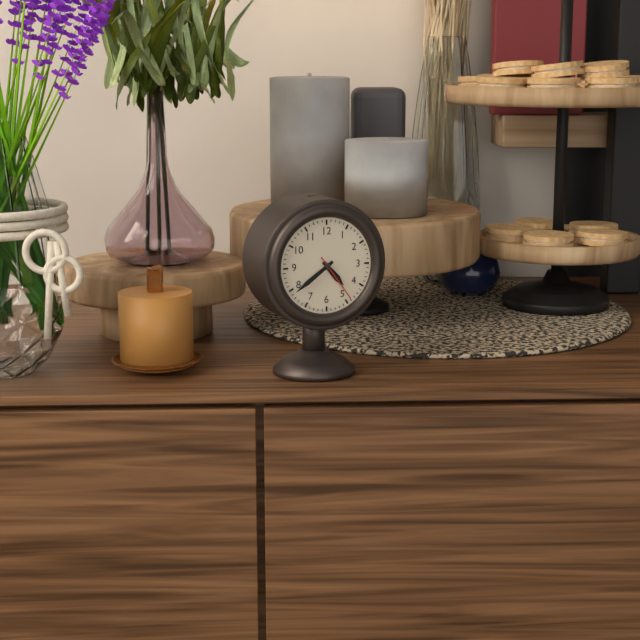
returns 4:39
